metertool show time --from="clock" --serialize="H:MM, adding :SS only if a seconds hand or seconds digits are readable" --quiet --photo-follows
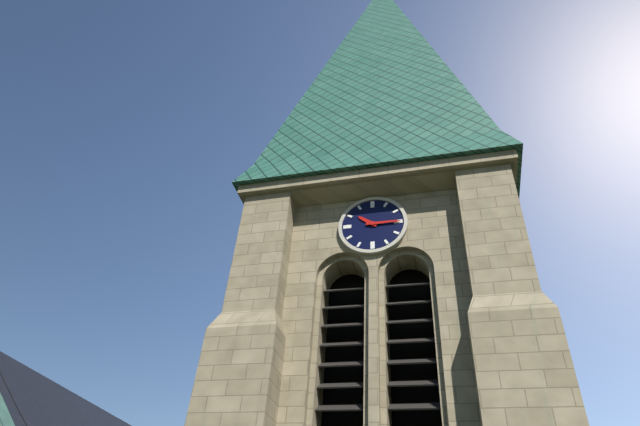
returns 10:15
